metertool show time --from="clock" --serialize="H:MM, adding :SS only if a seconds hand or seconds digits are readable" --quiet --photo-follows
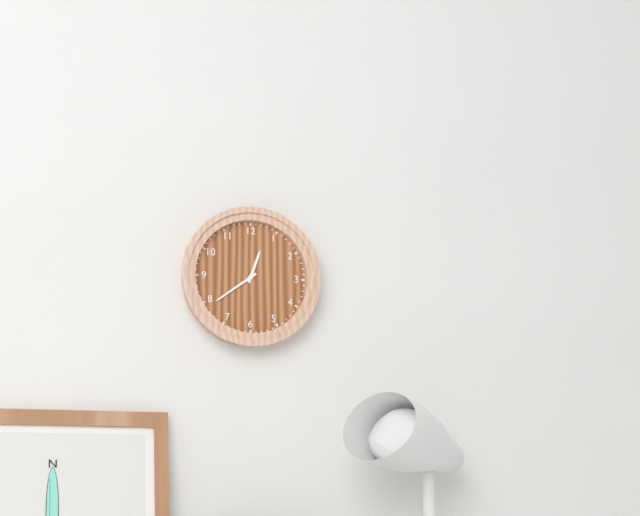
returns 12:39
